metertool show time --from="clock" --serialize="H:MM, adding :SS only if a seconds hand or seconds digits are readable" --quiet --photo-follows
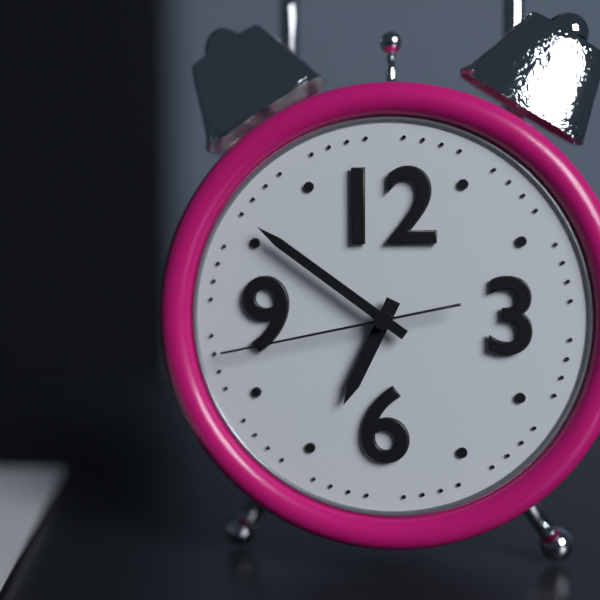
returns 6:51:43
